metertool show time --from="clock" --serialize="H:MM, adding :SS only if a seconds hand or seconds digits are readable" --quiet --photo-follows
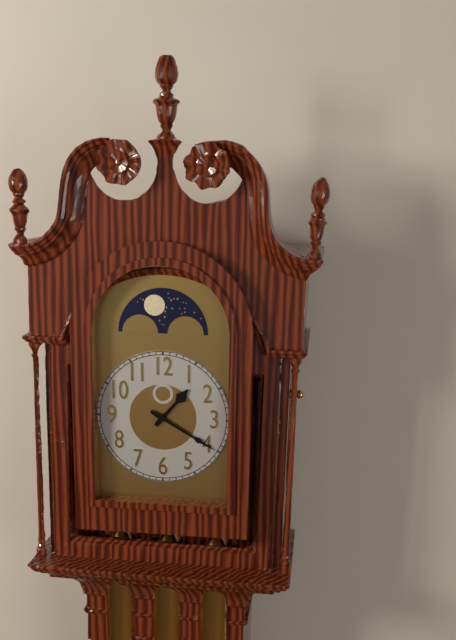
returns 1:20
